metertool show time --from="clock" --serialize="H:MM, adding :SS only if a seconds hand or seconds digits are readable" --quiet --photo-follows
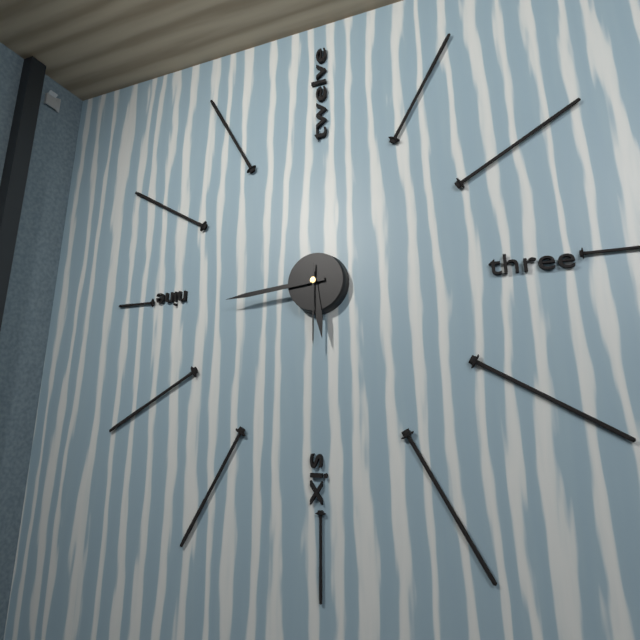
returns 5:44:30
